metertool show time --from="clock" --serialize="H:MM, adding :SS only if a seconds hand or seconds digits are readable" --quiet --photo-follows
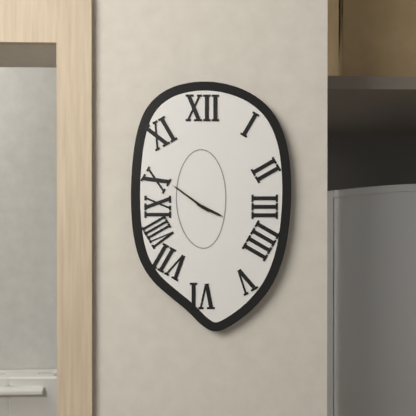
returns 3:51
